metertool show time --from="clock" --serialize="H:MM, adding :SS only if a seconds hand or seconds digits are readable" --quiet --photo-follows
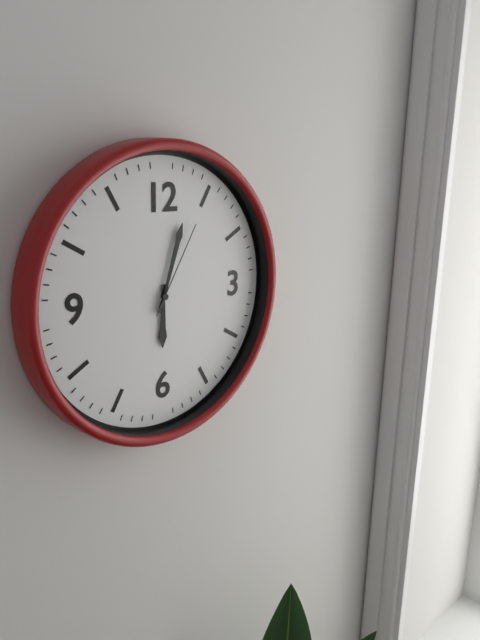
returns 6:03:05
